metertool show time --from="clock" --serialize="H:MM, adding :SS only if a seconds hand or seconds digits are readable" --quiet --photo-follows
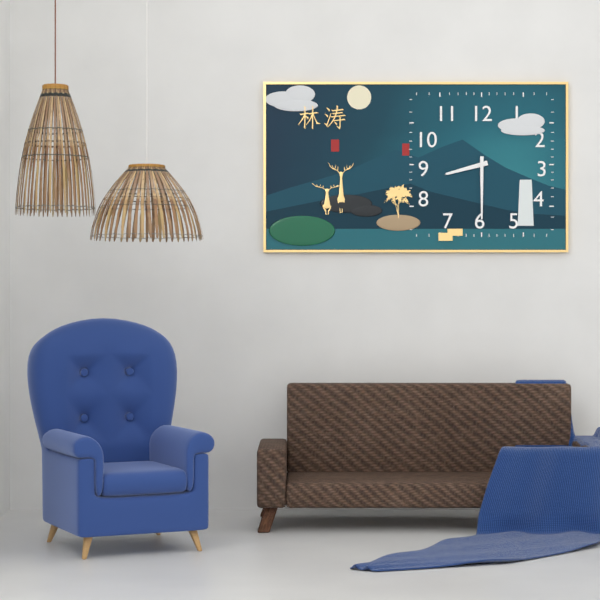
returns 8:30
